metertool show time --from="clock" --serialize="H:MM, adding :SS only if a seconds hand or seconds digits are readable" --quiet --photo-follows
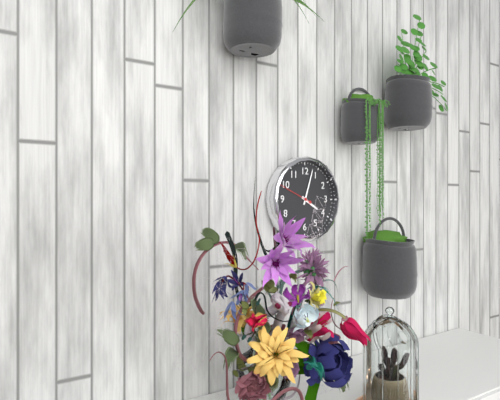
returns 4:03
